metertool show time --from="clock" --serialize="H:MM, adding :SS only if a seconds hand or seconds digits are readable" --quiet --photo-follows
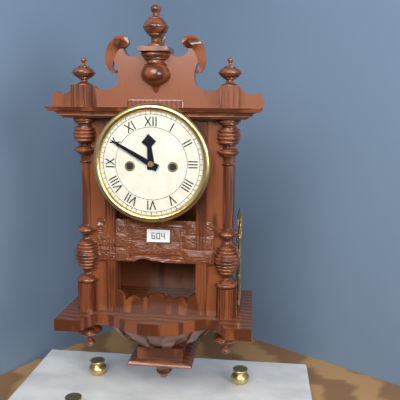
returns 11:50
